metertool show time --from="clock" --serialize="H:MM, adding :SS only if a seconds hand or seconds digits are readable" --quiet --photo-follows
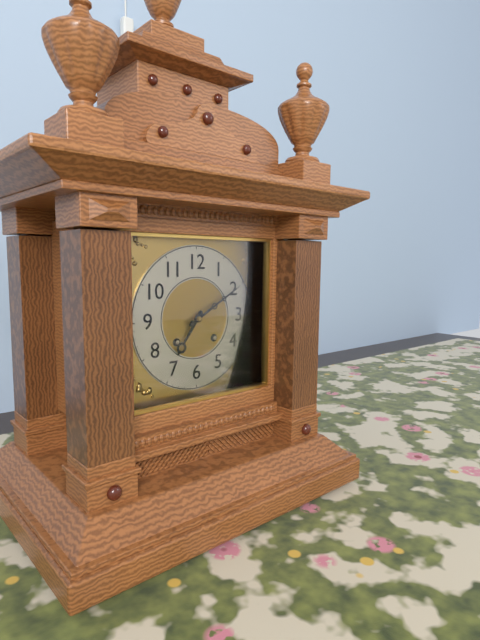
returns 7:10
